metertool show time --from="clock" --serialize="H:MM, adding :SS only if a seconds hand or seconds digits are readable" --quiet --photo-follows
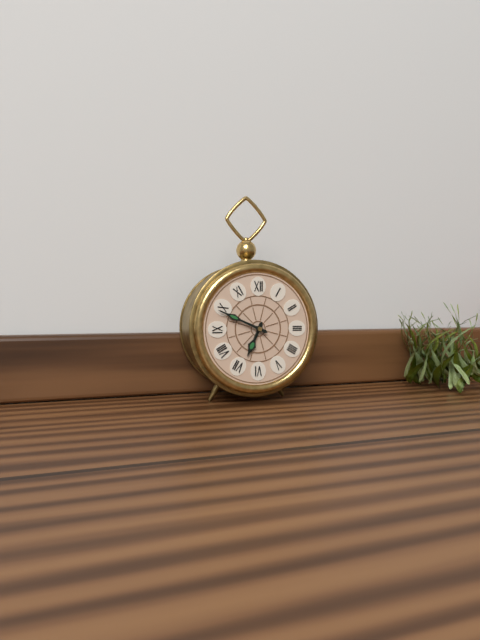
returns 6:49
